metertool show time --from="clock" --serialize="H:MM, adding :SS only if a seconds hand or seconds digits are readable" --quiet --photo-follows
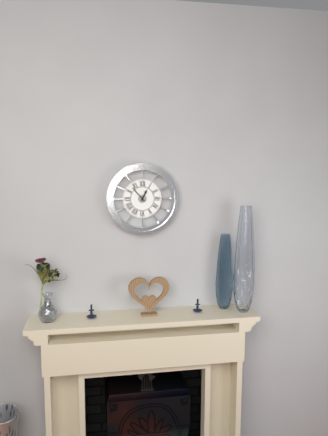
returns 12:53
